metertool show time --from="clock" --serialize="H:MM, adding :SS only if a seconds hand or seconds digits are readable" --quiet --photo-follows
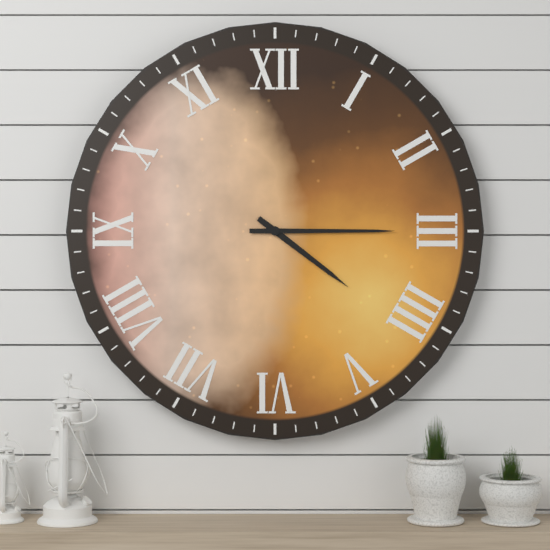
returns 4:15
